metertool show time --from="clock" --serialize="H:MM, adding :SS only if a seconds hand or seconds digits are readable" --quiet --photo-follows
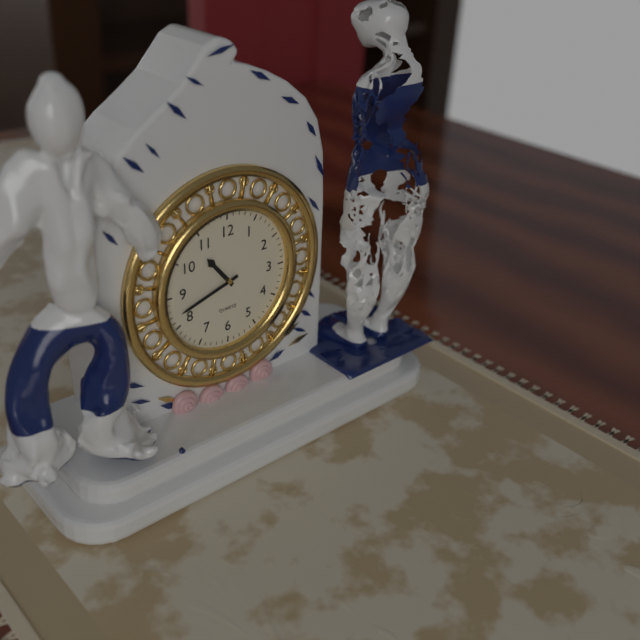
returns 10:42
